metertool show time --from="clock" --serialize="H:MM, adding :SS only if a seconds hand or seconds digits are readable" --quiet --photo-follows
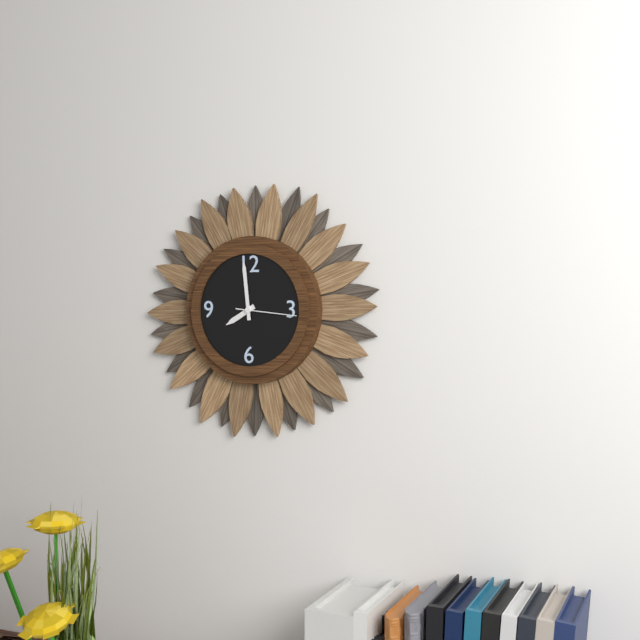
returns 7:59
